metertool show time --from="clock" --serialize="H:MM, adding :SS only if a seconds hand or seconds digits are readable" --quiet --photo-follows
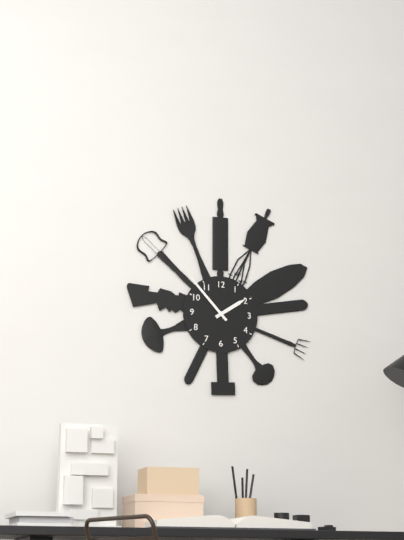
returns 1:53
